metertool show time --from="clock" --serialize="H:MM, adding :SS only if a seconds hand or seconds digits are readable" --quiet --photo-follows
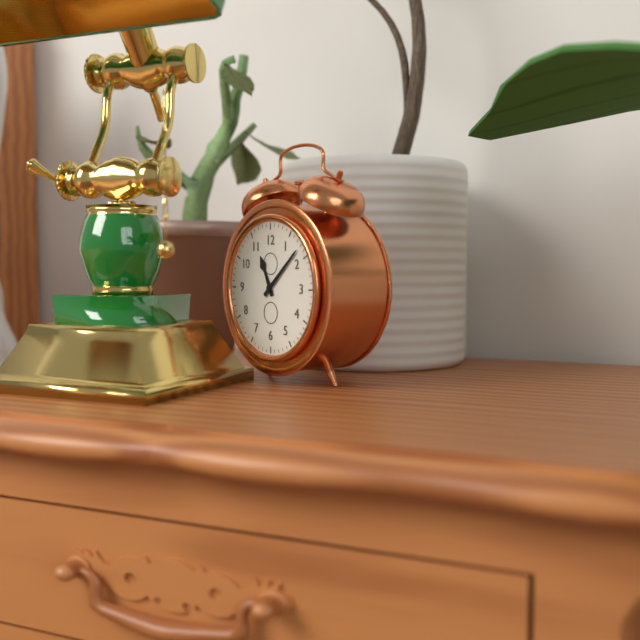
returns 11:08
